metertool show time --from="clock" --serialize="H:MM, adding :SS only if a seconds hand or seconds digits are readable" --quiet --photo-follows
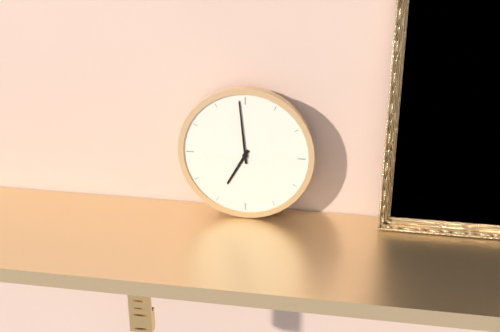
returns 6:59
